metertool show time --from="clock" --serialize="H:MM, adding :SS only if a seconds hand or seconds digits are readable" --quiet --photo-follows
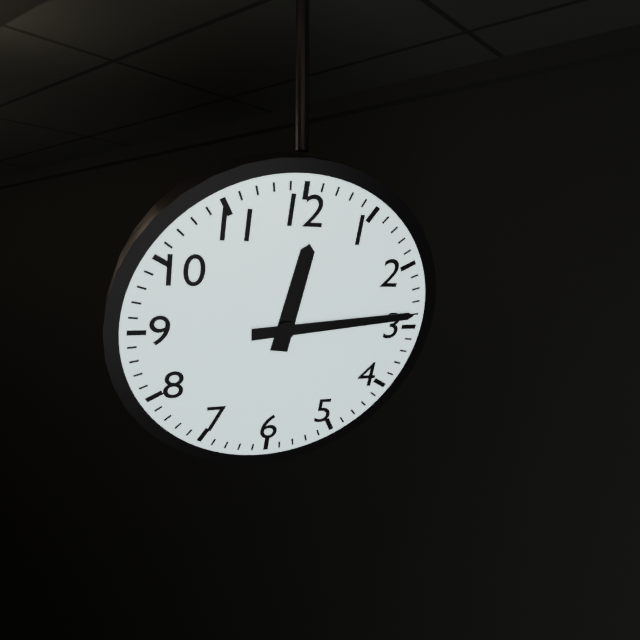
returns 12:14
